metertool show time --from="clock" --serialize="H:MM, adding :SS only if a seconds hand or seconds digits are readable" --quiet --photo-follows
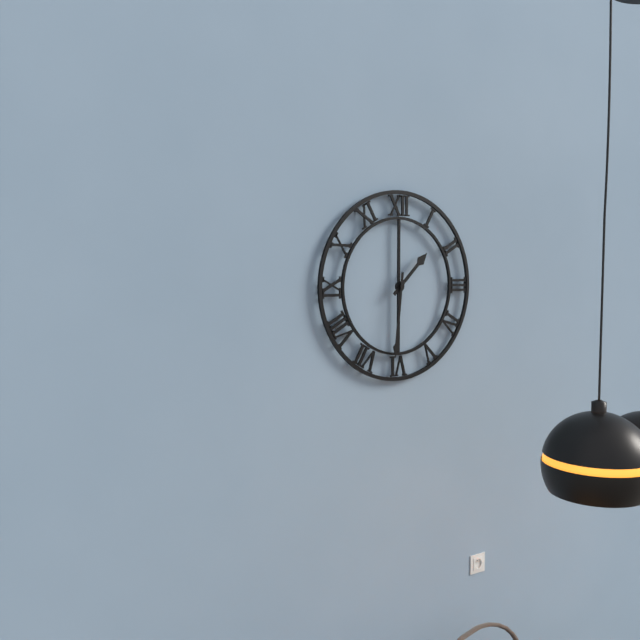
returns 1:31
